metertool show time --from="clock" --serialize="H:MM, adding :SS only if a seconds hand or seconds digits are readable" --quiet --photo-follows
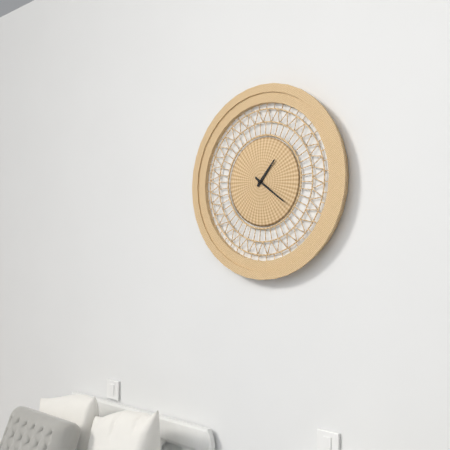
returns 1:21
